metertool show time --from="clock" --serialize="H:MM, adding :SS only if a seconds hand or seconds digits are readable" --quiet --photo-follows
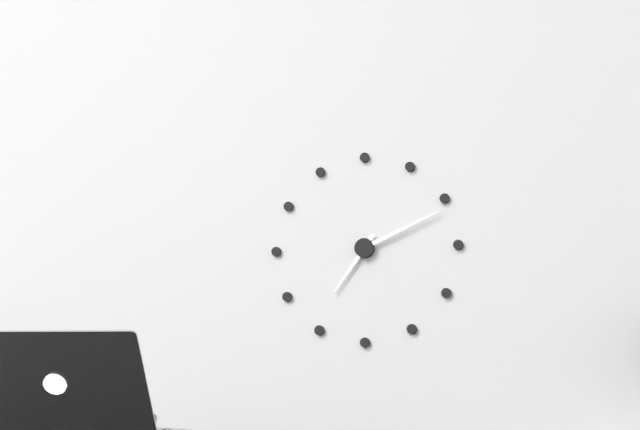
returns 7:11
